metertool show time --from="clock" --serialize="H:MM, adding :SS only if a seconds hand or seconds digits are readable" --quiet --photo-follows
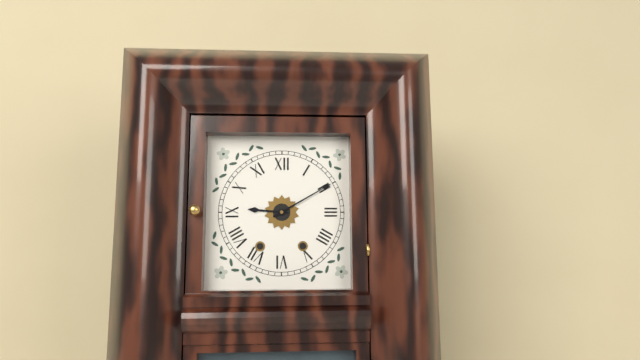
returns 9:10
